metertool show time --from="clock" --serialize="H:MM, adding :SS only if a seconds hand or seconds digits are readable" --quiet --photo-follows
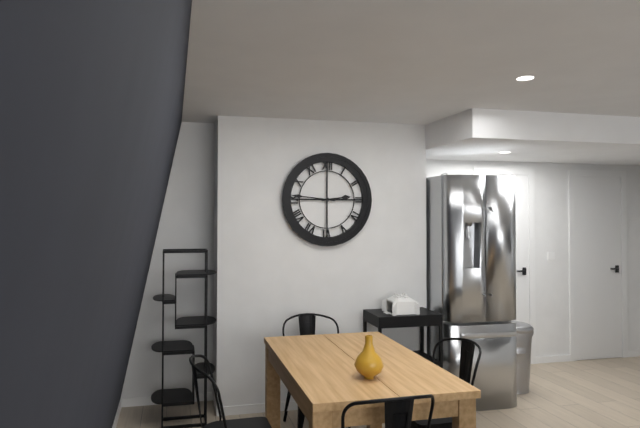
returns 2:46
